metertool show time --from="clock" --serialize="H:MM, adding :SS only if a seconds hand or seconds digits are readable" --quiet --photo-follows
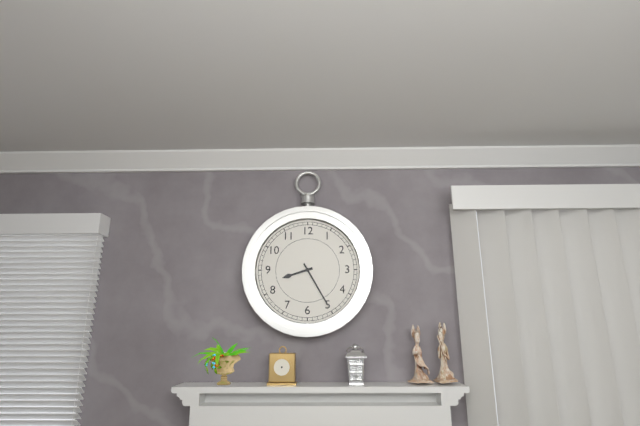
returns 8:25
